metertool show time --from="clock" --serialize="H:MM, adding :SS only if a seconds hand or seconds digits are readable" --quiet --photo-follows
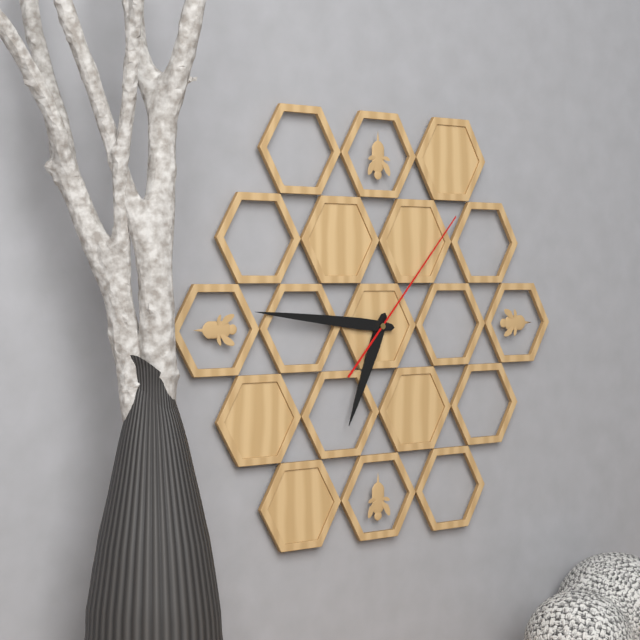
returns 6:46:07
